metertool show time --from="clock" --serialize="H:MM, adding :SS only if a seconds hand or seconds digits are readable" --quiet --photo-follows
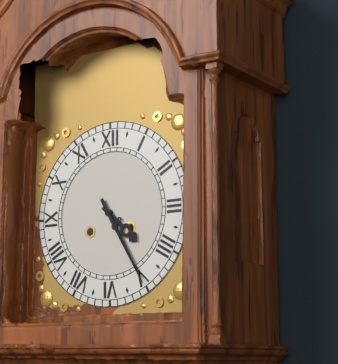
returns 4:25
